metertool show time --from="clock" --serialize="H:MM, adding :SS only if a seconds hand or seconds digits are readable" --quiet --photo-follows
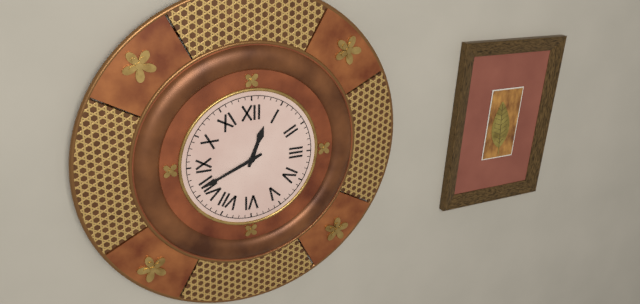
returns 12:41
